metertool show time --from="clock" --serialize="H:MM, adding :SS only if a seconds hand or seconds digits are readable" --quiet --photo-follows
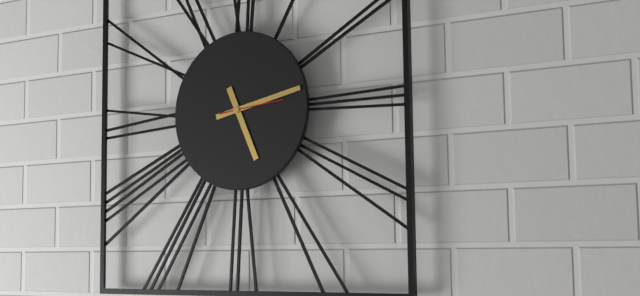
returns 5:13:14
